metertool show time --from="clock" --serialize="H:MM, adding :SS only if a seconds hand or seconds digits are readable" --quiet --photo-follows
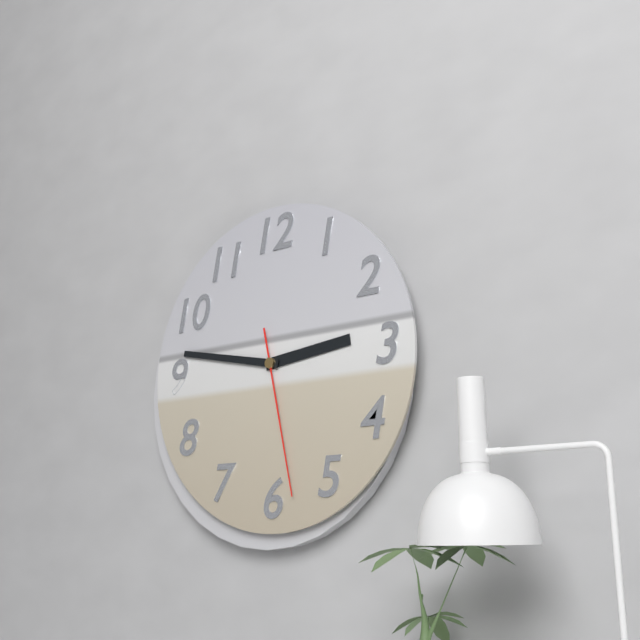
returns 2:47:28
